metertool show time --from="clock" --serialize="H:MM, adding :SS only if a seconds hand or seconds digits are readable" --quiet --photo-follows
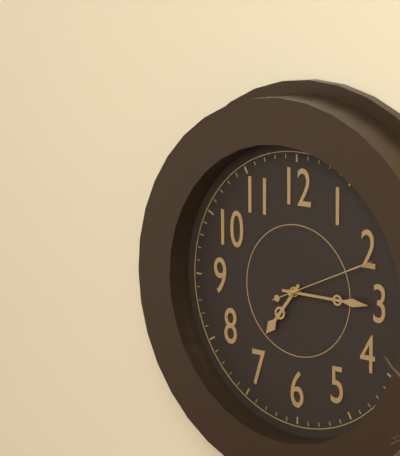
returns 7:15:11
